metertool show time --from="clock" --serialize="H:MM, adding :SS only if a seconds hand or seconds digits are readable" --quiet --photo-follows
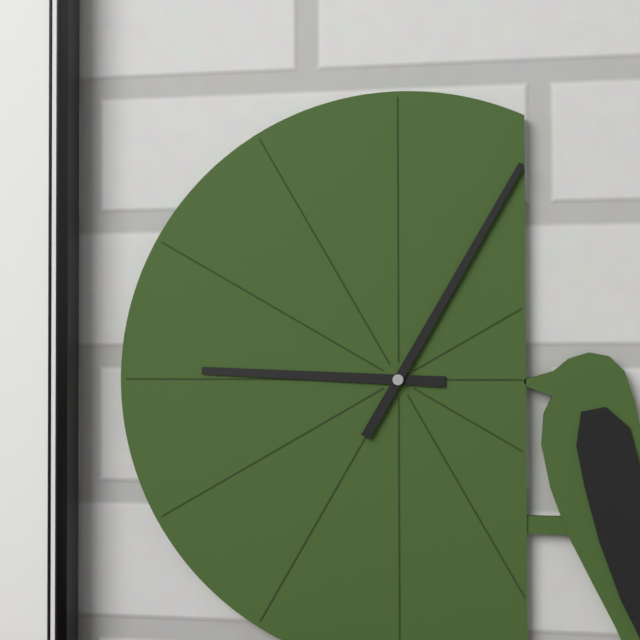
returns 9:05
